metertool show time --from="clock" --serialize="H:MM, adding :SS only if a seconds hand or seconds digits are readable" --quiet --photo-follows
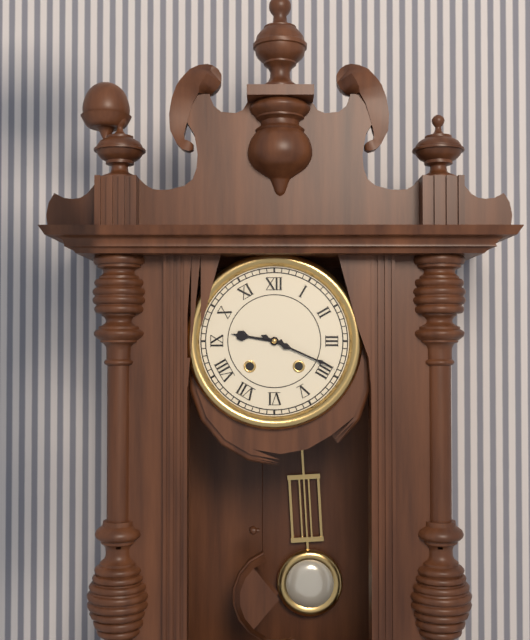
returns 9:19
